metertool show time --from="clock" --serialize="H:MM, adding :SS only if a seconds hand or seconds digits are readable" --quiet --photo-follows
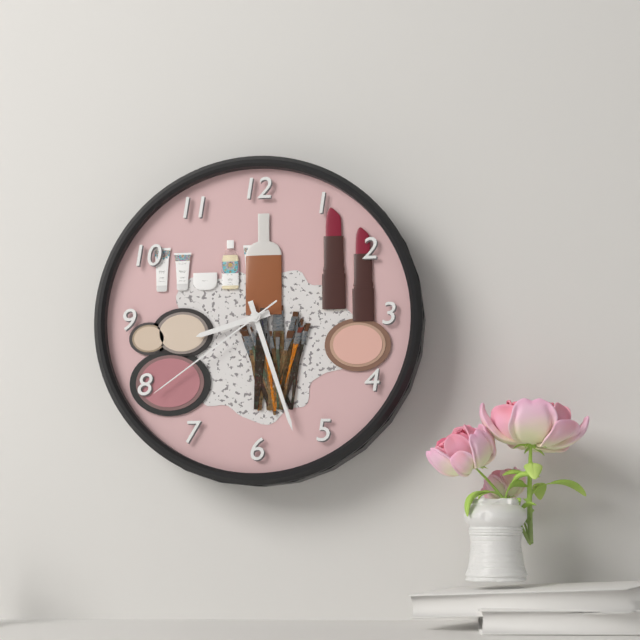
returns 8:27:39
